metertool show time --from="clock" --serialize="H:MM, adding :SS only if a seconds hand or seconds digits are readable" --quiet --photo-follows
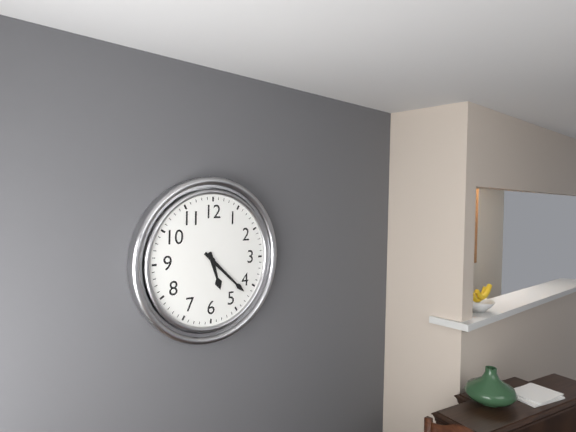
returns 5:22
